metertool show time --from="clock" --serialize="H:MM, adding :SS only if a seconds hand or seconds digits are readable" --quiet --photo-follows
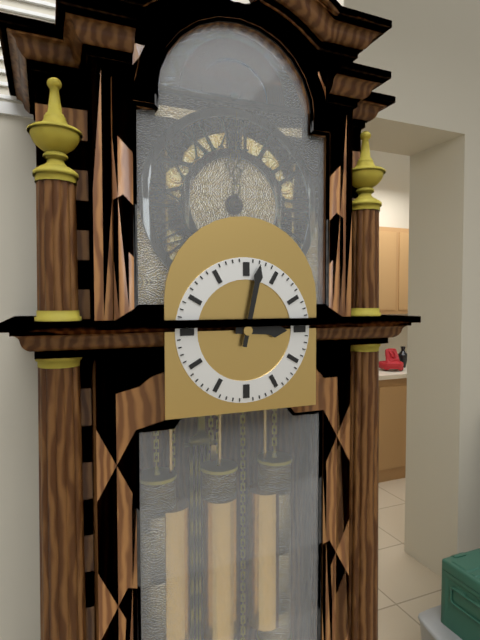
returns 3:02
